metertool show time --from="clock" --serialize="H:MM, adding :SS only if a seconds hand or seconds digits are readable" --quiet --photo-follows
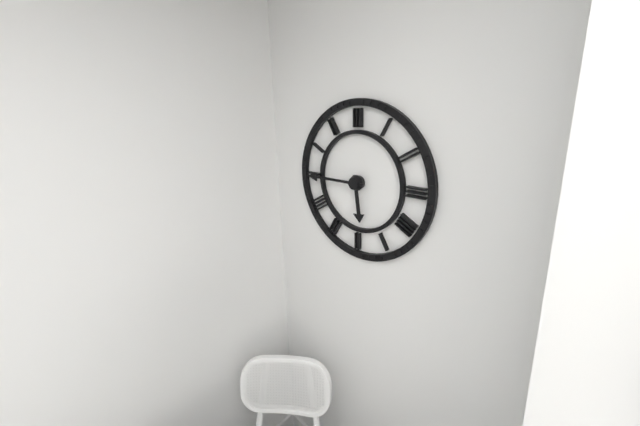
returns 5:45
